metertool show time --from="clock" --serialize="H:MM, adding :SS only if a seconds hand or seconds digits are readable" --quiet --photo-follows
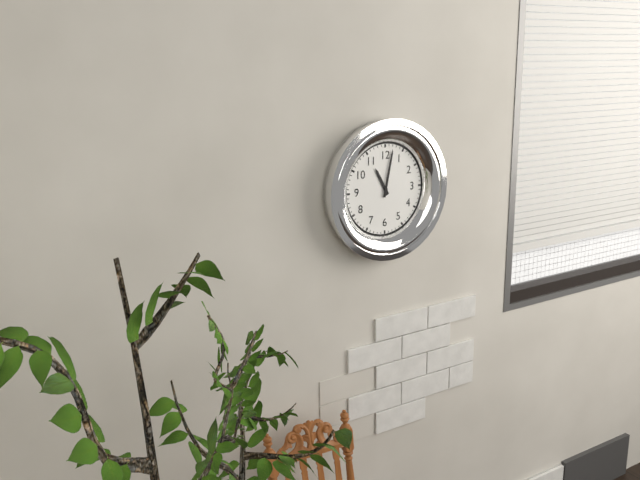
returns 11:02
